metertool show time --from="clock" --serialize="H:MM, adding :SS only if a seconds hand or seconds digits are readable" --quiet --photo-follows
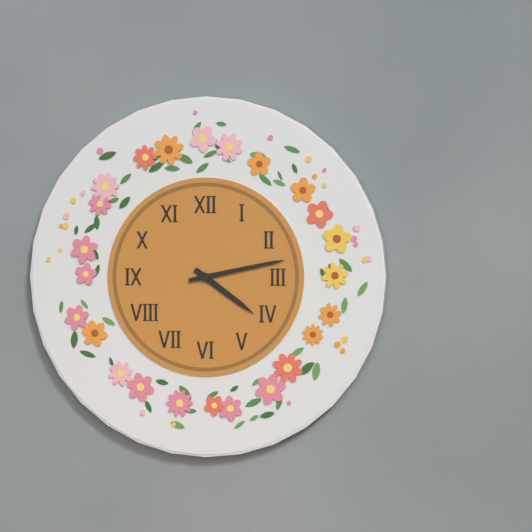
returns 4:13
